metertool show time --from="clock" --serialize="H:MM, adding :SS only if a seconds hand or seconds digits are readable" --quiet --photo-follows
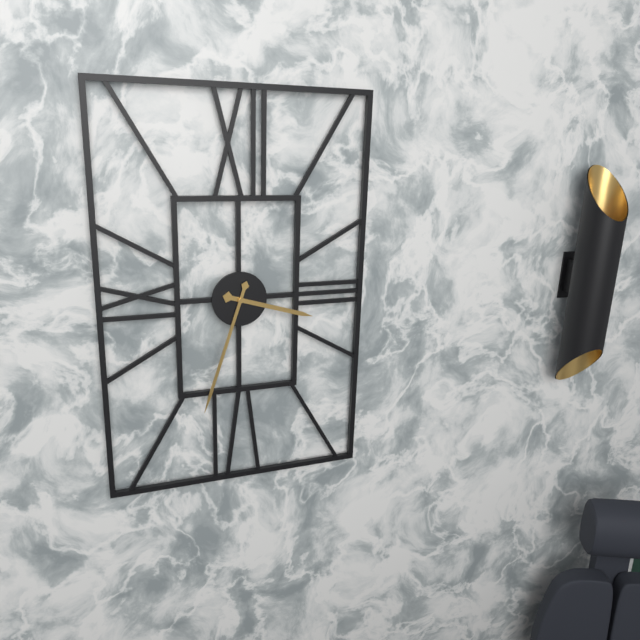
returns 3:33
